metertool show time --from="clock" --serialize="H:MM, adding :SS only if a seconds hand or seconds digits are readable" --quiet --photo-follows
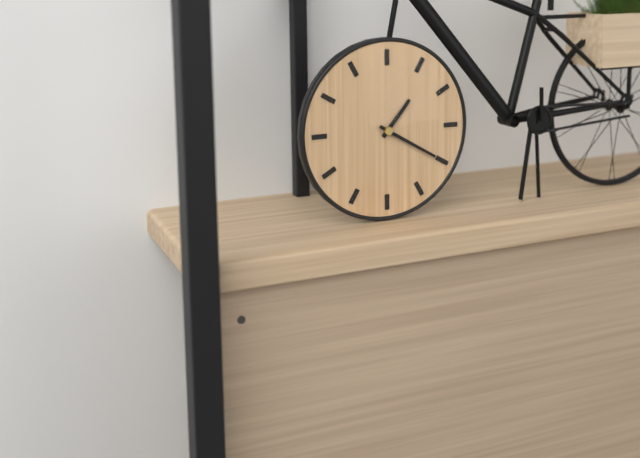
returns 1:20
